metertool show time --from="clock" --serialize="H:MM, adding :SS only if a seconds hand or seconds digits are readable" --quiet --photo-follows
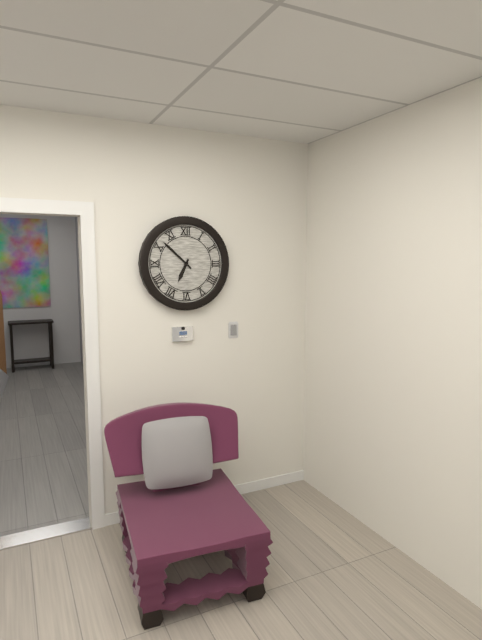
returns 6:52
